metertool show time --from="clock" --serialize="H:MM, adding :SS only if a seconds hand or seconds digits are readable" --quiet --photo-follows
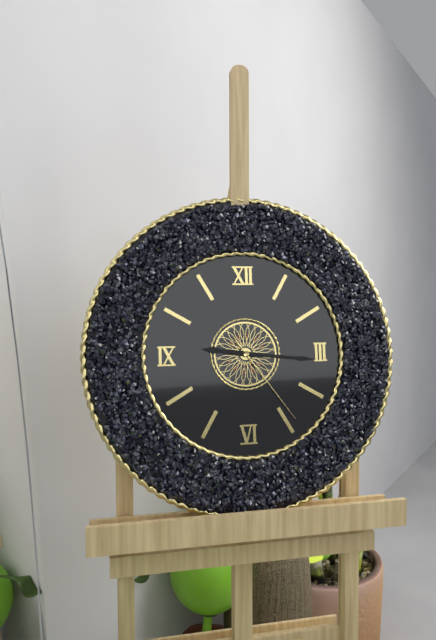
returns 9:16:24
